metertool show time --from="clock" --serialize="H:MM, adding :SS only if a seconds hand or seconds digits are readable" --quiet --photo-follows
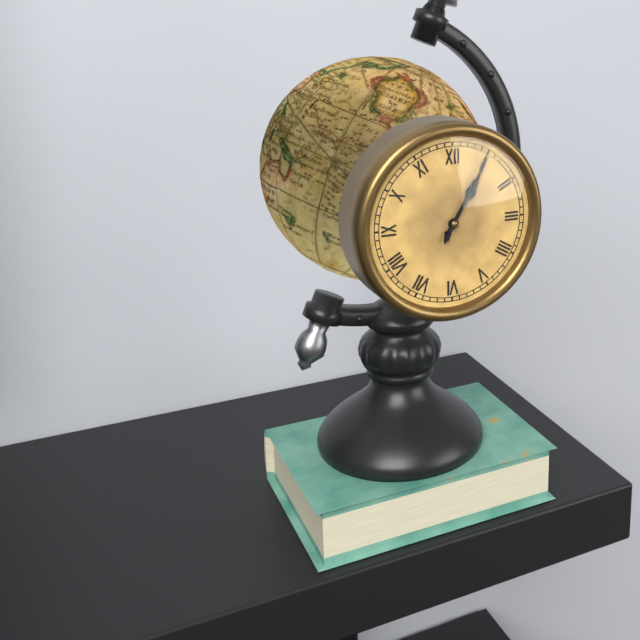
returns 1:05
